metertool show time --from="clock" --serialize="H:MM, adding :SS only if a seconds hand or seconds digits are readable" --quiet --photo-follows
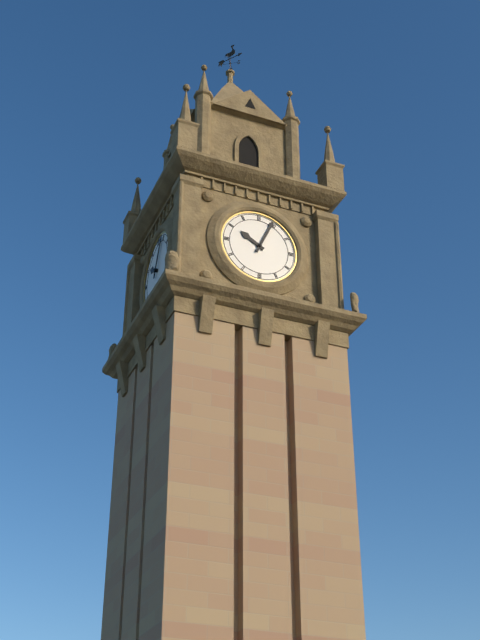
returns 10:04
